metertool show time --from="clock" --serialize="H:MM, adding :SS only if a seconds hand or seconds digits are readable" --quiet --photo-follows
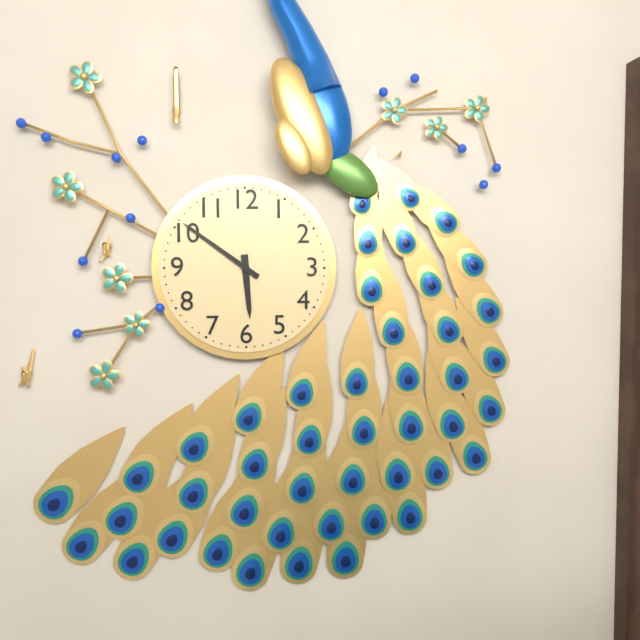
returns 5:51
